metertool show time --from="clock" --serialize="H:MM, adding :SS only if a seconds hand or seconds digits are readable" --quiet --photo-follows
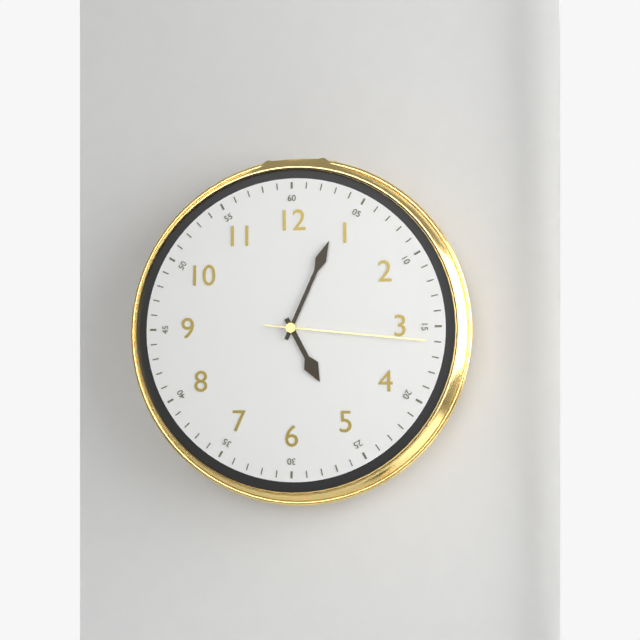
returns 5:04:16
